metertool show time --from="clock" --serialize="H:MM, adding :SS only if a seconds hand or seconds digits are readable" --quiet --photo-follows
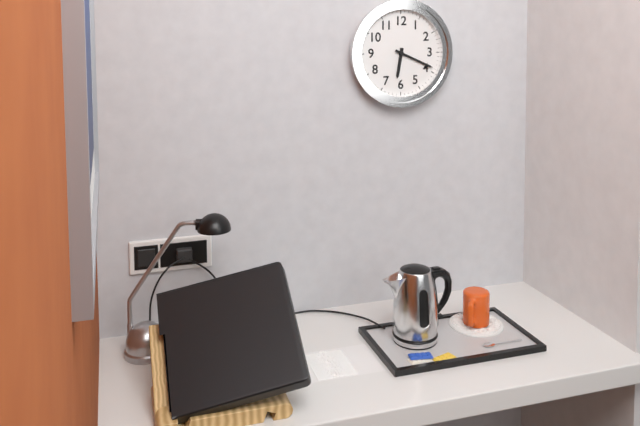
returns 6:19
